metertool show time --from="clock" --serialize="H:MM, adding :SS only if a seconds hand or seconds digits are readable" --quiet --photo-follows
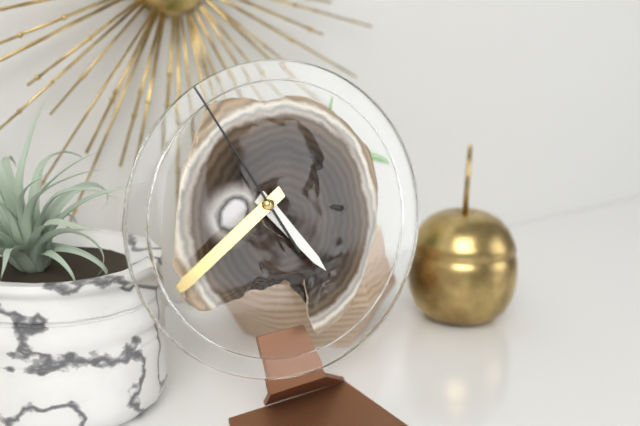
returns 4:40:55
